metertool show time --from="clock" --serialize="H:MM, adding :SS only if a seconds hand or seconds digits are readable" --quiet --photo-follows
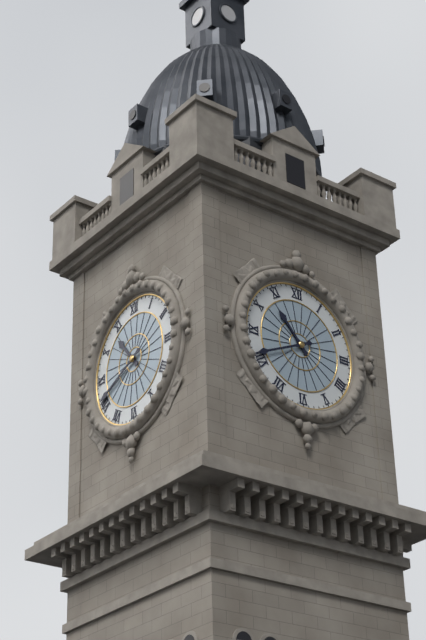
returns 10:41
